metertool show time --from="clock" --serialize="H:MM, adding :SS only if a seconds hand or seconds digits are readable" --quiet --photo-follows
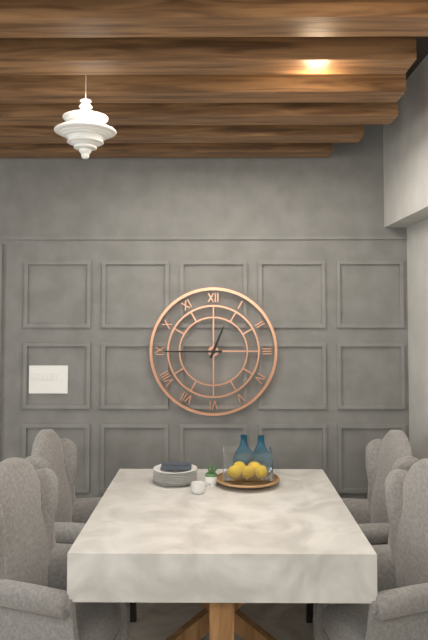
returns 12:45
